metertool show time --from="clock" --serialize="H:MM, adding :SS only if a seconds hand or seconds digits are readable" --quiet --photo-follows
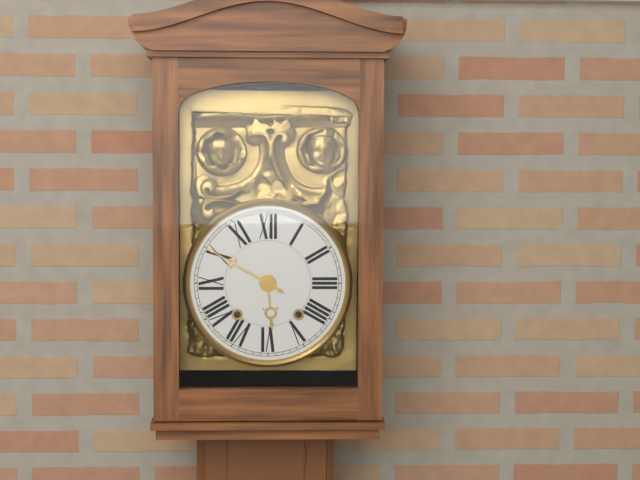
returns 5:50
